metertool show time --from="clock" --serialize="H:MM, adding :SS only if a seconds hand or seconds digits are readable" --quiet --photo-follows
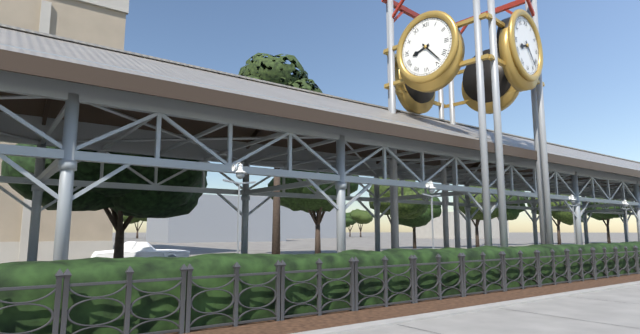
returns 8:23
